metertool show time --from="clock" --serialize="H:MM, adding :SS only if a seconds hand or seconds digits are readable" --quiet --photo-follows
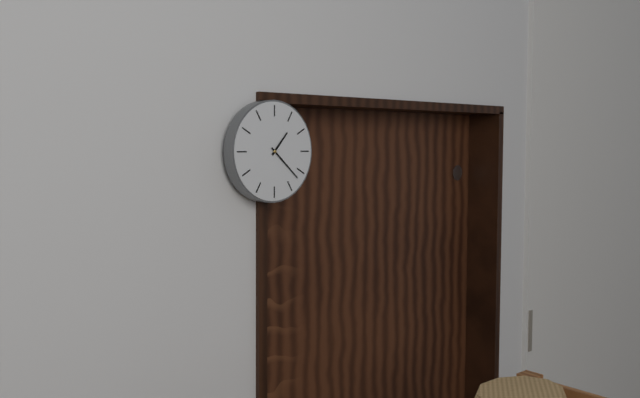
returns 1:22
